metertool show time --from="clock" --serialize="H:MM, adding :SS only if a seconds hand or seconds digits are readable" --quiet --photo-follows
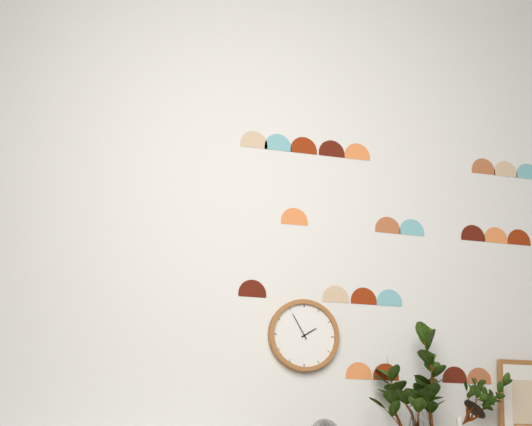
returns 1:55
